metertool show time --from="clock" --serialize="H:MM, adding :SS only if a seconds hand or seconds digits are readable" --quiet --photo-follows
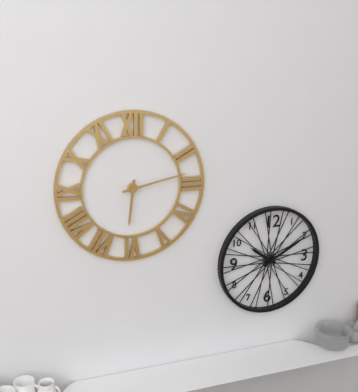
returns 6:13
